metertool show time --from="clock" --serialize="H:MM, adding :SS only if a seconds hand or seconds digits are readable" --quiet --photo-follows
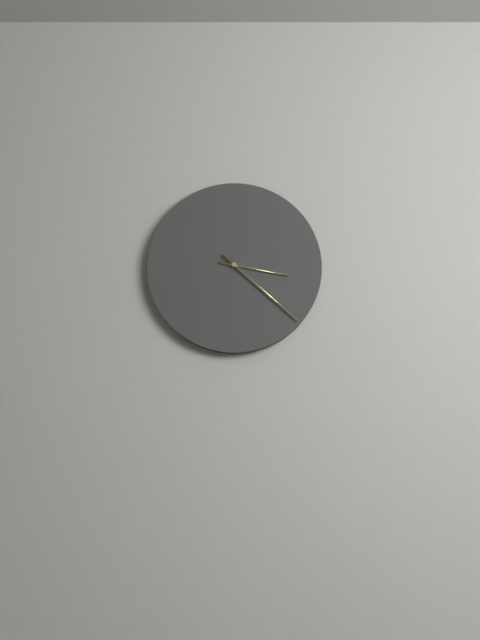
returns 3:22
